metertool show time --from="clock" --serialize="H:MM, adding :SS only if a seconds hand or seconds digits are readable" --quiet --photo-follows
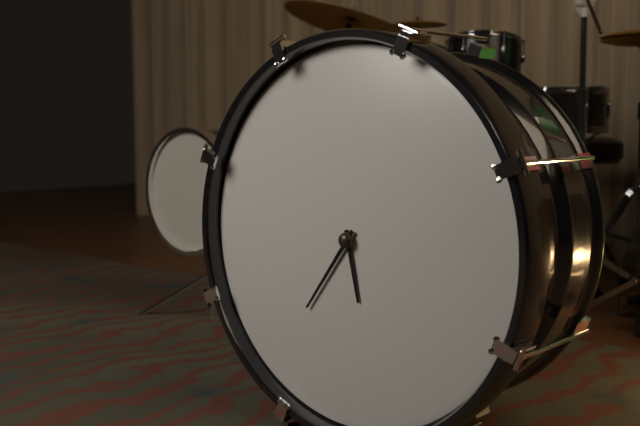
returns 5:36
